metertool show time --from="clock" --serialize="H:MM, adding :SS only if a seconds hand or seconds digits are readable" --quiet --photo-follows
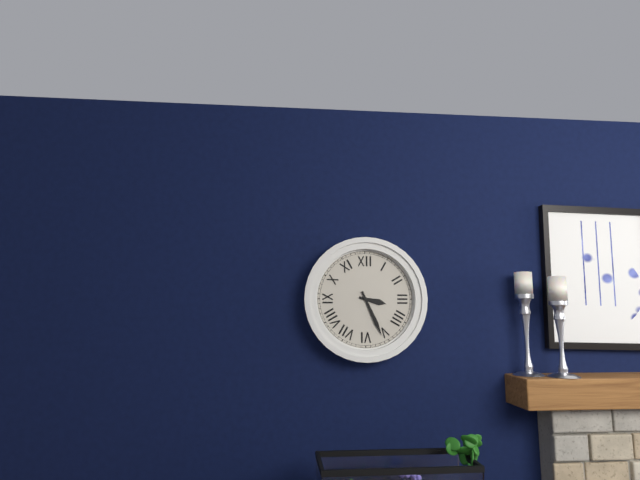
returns 3:26
